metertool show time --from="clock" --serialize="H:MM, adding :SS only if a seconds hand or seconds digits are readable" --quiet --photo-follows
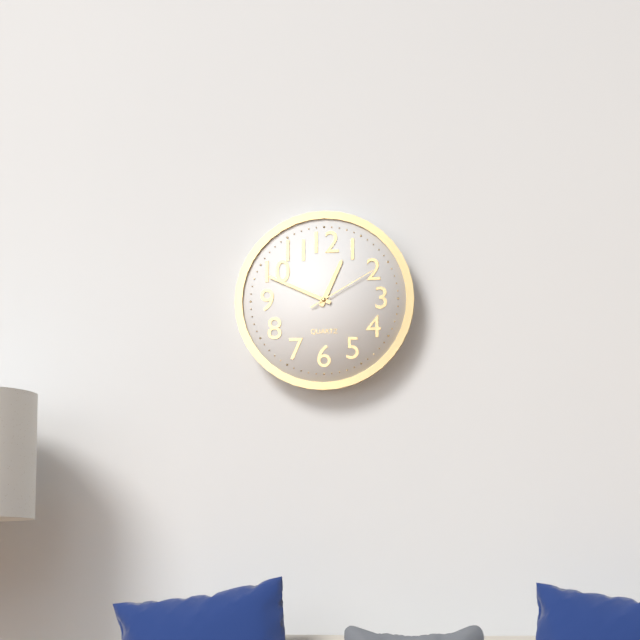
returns 12:49:10
